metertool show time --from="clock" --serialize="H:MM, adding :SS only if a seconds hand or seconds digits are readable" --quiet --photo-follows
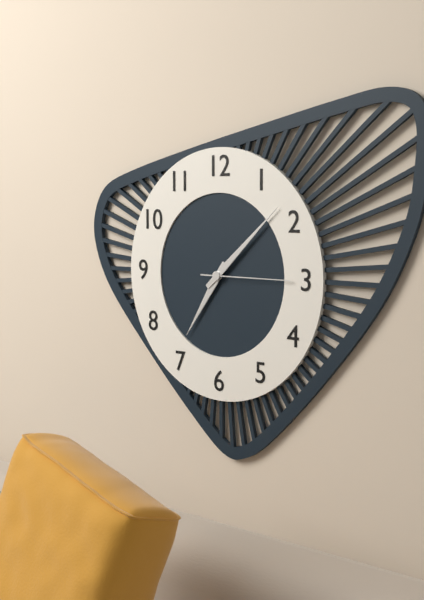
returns 7:08:15
